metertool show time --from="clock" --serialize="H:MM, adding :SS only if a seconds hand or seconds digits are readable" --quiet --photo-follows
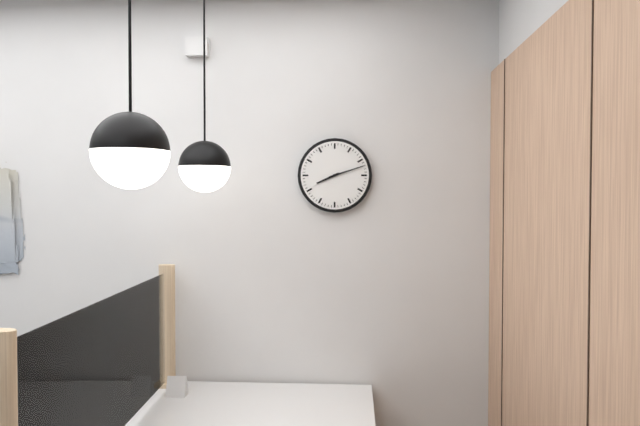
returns 8:12
